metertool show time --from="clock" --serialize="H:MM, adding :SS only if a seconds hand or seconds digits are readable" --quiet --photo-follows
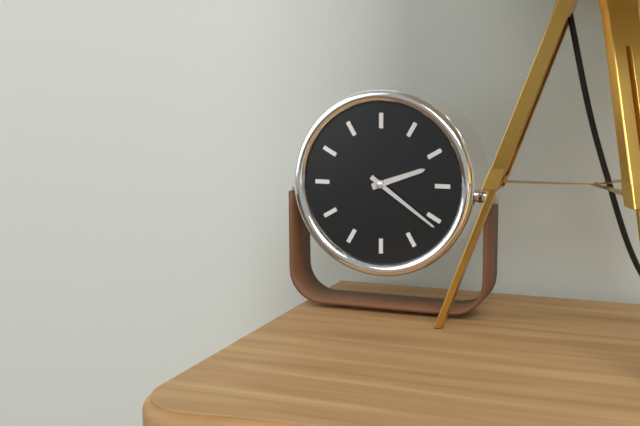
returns 2:21
